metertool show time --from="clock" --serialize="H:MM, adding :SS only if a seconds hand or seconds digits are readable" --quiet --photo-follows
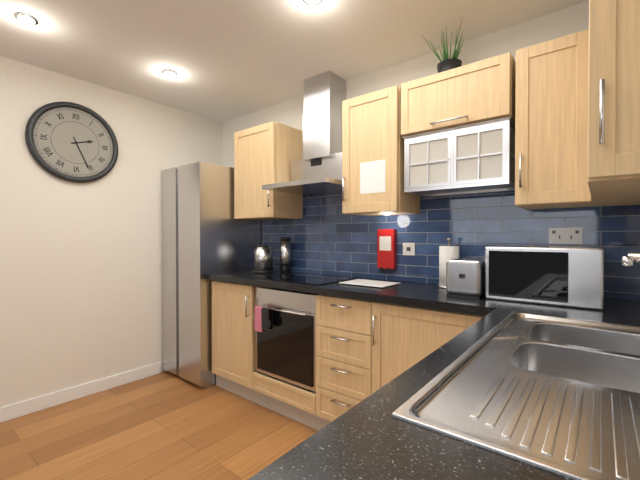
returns 2:26
